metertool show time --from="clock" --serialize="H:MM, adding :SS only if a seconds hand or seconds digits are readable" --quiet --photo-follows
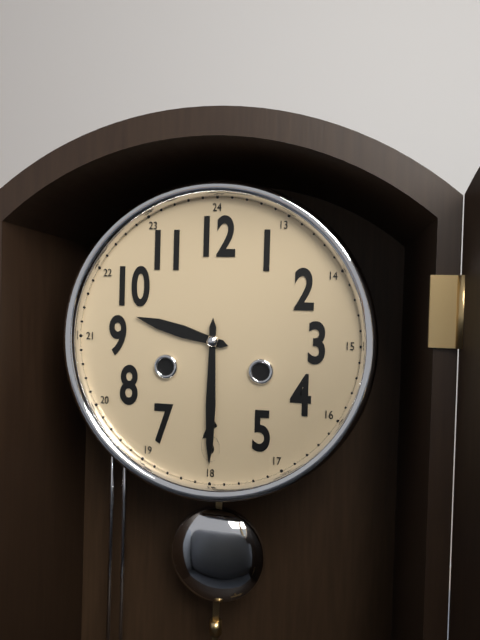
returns 9:30
